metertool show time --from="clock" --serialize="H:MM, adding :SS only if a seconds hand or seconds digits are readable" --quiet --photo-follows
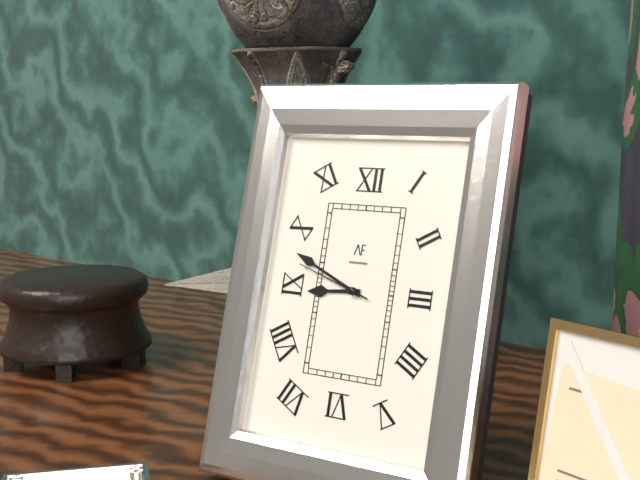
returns 8:49:48
